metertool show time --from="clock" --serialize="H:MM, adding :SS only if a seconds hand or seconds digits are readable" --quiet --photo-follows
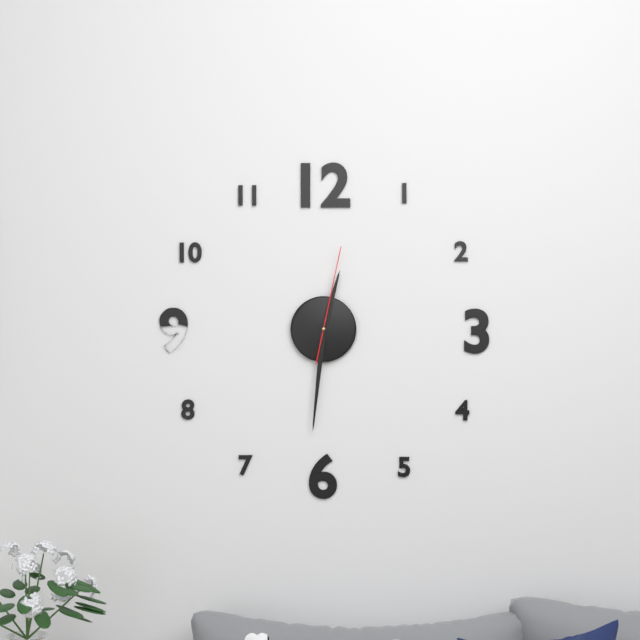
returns 12:31:02
